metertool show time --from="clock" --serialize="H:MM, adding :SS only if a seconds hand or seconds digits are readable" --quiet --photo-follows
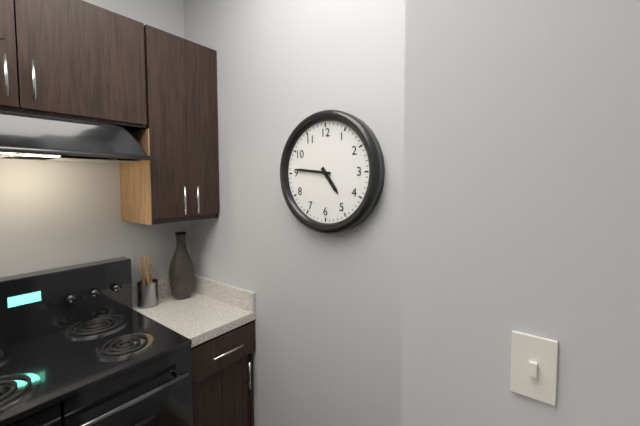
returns 4:46
